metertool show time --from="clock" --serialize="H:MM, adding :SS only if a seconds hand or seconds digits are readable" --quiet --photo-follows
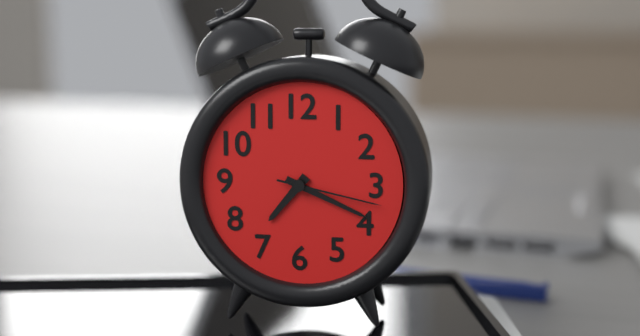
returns 7:19:17
